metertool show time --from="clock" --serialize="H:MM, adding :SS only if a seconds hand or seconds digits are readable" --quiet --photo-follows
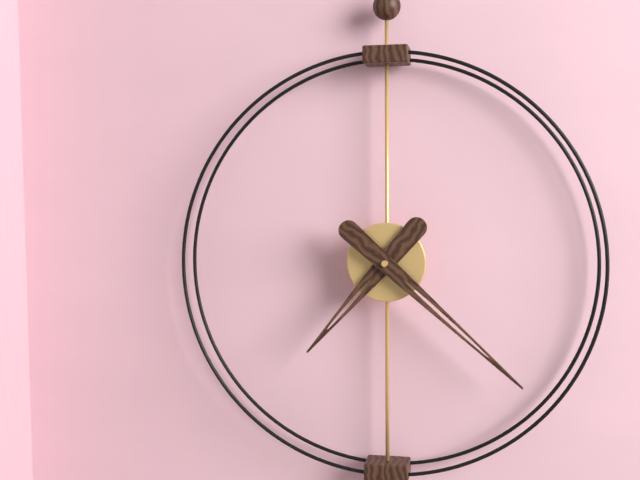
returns 7:22
